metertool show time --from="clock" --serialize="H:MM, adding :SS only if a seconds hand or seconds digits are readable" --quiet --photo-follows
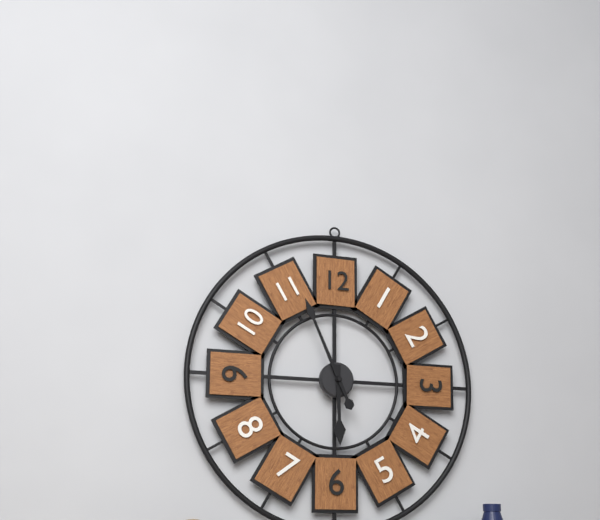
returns 5:56
